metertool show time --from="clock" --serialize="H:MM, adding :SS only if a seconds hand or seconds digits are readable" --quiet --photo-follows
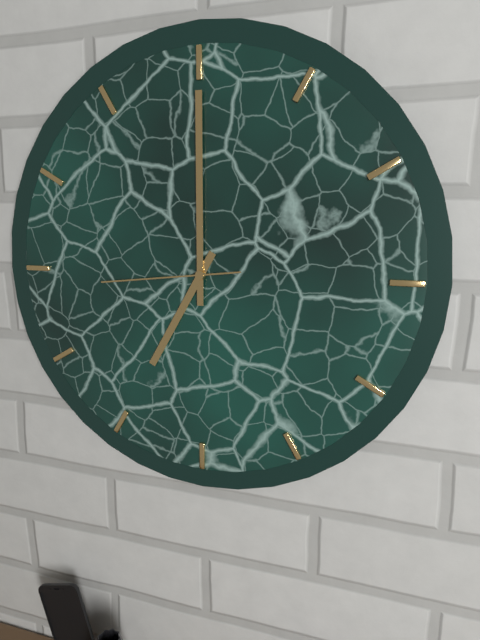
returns 7:00:44
